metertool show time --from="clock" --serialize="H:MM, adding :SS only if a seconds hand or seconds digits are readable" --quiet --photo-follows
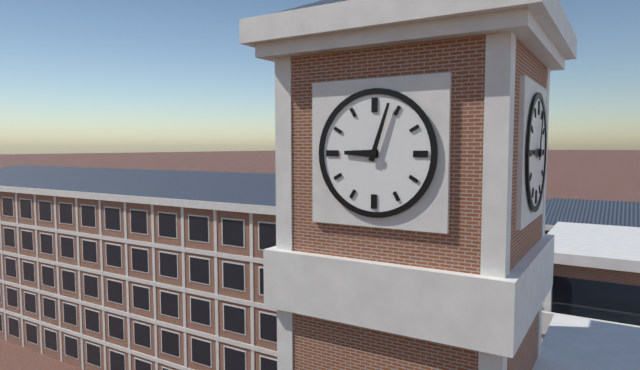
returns 9:03
